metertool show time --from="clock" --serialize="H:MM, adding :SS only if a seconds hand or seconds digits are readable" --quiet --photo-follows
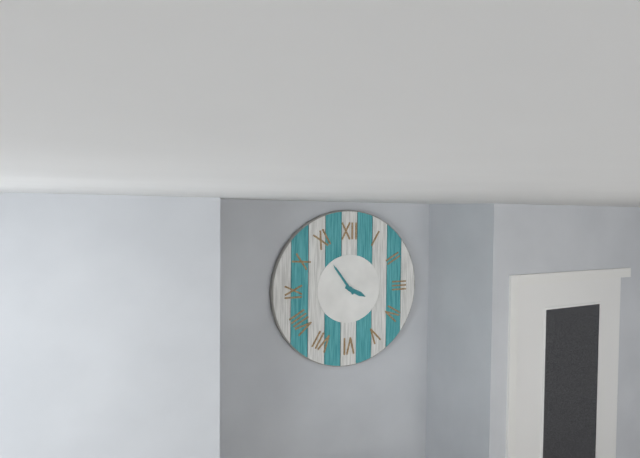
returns 3:54
